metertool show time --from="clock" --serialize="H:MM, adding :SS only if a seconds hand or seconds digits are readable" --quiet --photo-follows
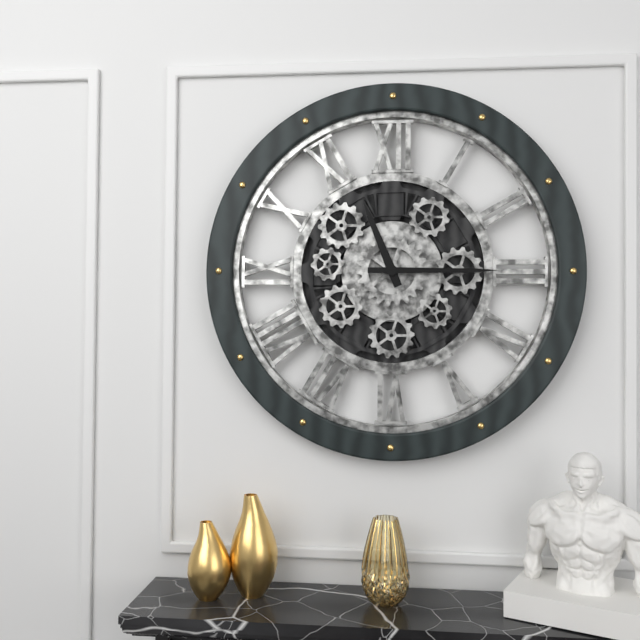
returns 11:15
